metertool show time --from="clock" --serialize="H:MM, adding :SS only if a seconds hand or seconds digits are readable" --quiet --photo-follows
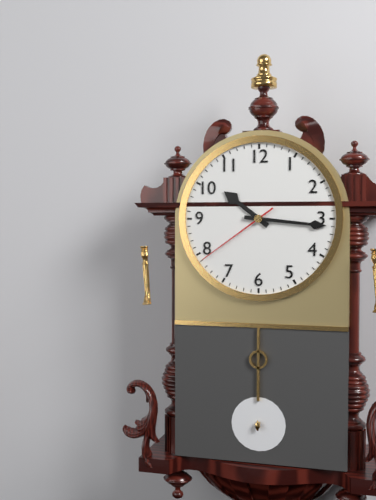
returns 10:16:39
